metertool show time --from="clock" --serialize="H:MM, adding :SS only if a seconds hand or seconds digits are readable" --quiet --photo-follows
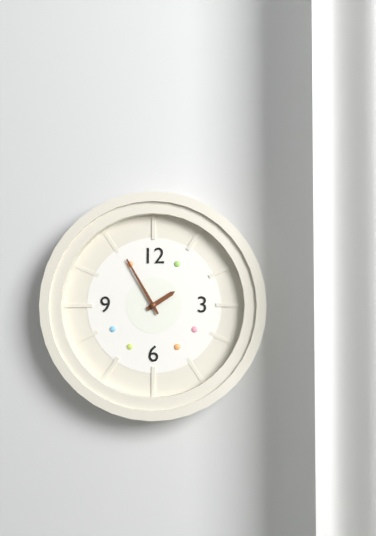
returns 1:55
